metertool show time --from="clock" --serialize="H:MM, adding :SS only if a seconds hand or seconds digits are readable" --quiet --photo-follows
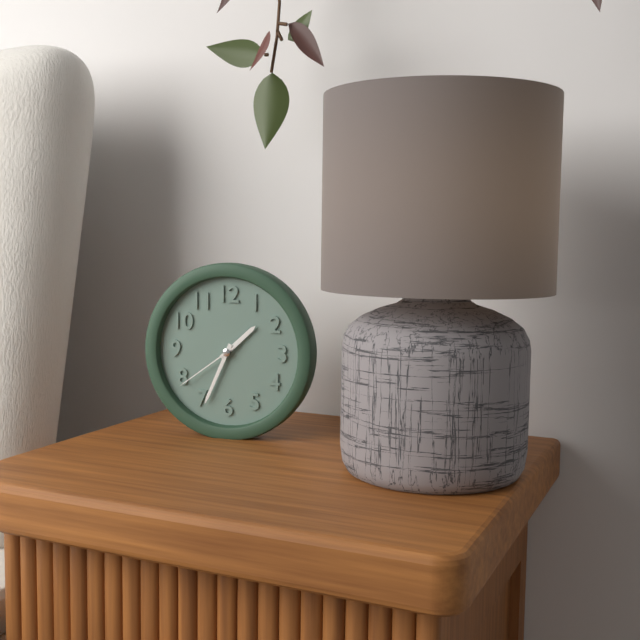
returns 1:34:39
